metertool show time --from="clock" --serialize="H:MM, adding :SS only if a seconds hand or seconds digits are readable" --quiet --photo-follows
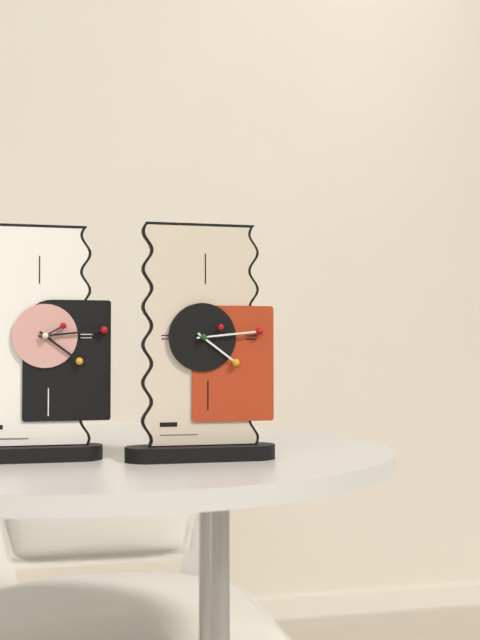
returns 4:14
